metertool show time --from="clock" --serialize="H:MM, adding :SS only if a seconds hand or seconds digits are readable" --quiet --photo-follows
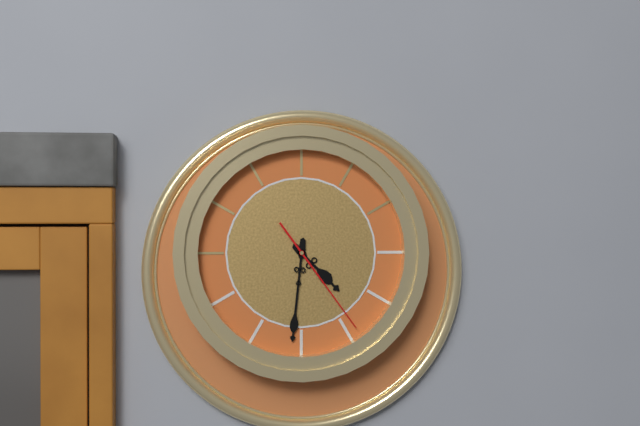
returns 4:31:24
